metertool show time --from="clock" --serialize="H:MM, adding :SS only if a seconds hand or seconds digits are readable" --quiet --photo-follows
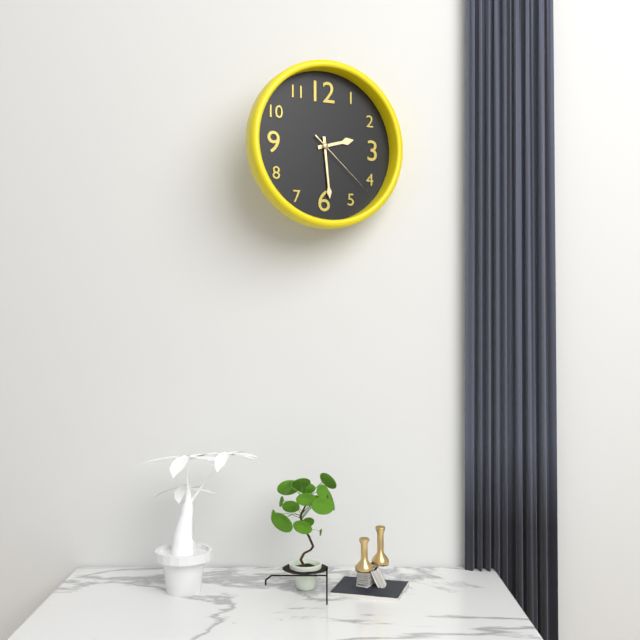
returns 2:29:22
